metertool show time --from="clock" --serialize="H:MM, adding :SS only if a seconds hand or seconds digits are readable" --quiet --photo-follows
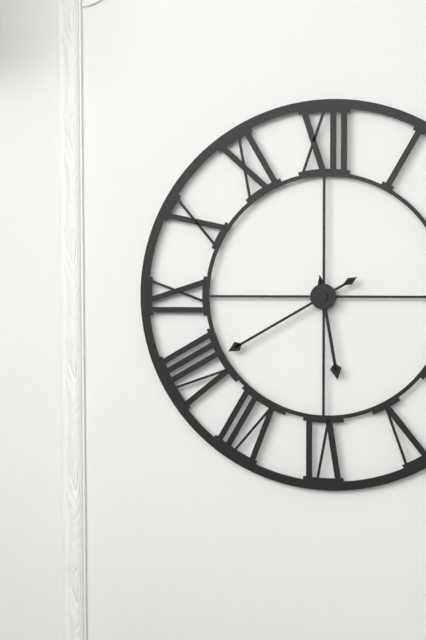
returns 5:40
